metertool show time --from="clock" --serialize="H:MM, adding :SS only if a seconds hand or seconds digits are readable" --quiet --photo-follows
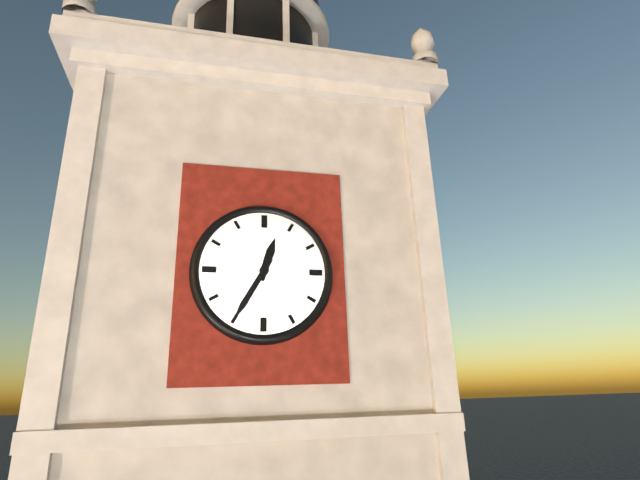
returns 12:35
